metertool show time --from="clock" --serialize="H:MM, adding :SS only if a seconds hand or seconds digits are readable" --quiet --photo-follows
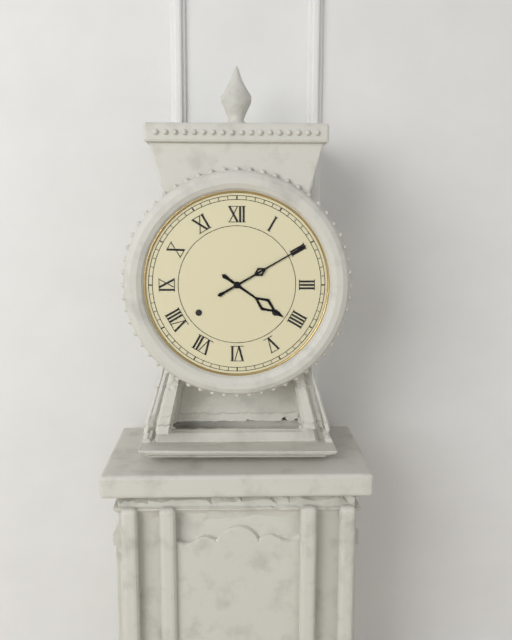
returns 4:10
